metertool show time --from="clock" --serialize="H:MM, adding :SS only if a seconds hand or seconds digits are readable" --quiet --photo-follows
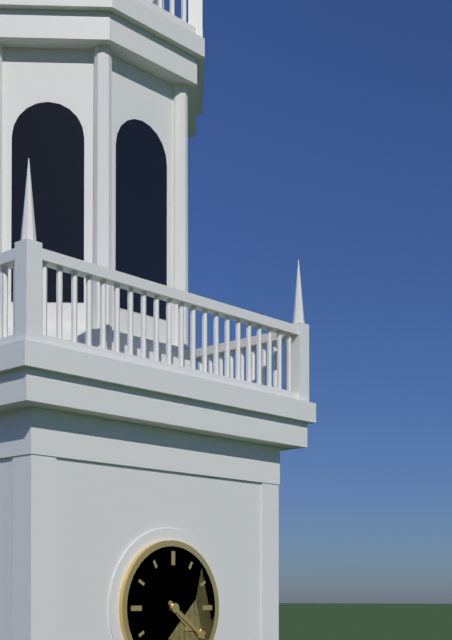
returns 4:21
